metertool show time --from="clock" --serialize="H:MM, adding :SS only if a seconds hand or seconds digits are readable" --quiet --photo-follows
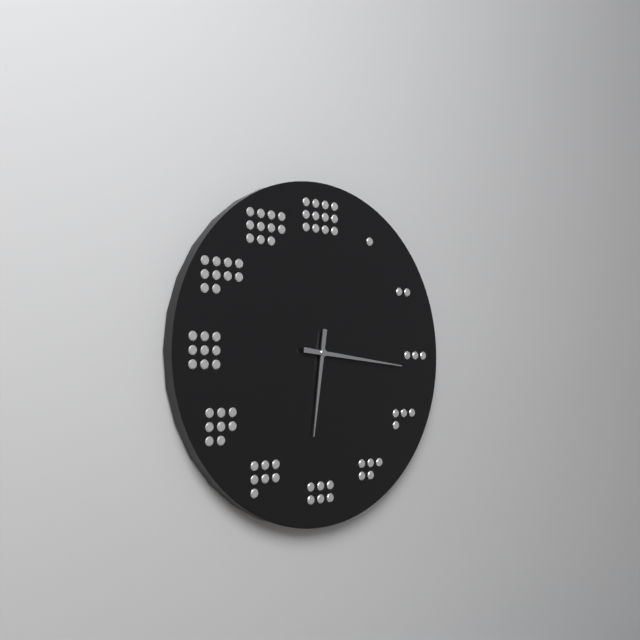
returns 6:16
